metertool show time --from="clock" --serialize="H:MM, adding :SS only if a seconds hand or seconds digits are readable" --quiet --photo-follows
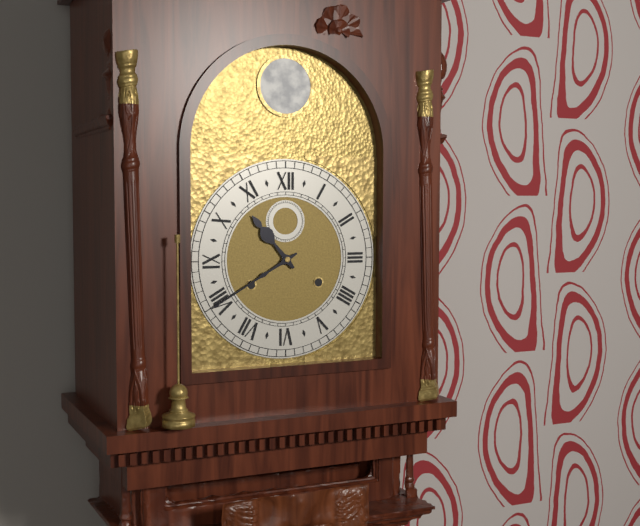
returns 10:40
